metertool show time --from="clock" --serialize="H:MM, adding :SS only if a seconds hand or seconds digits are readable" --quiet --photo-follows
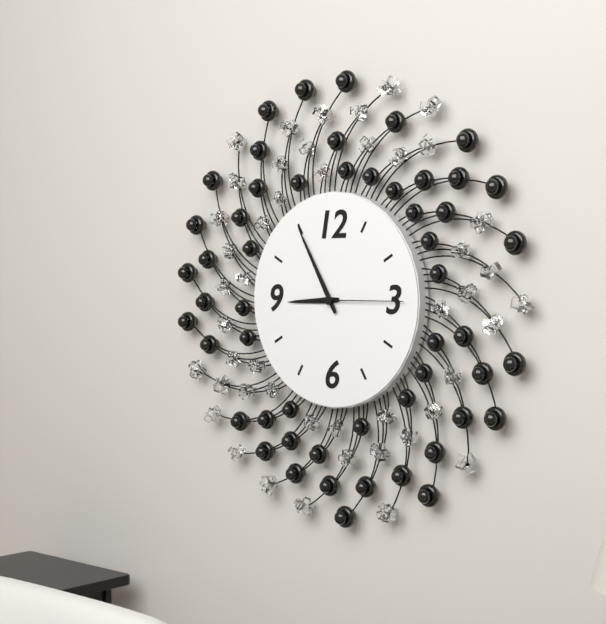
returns 8:55:15
